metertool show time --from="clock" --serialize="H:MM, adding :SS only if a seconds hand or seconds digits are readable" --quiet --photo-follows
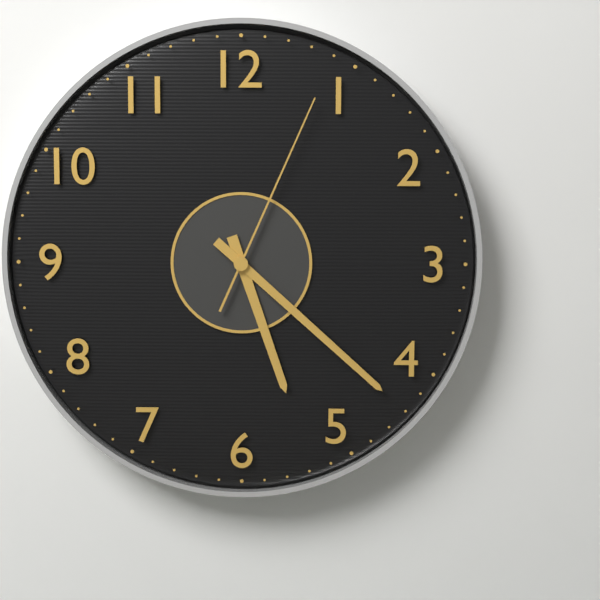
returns 5:22:04
